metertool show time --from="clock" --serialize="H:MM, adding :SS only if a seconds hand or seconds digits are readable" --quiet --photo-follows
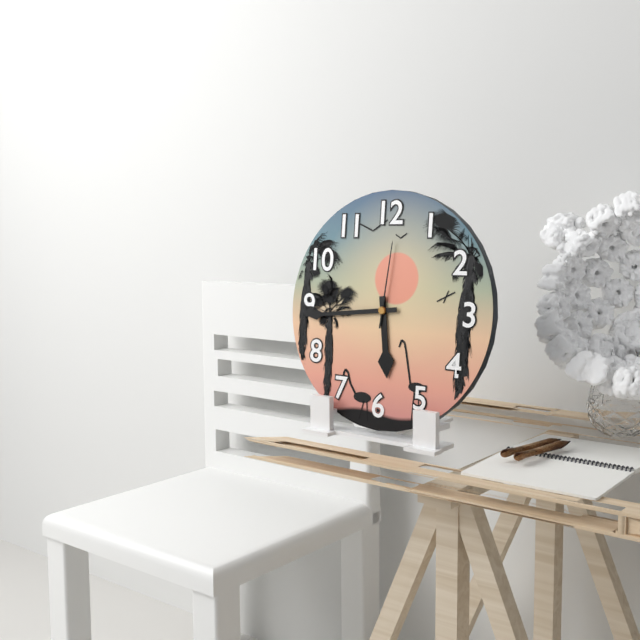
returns 5:44:01
